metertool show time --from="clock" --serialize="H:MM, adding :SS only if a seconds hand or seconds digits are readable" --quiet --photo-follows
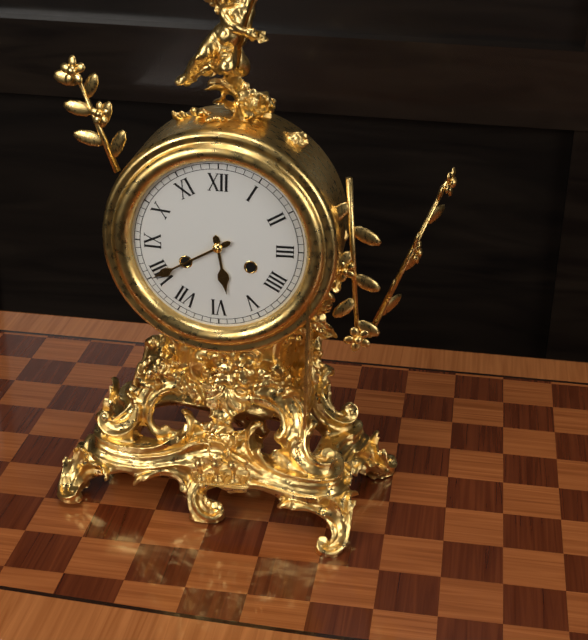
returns 5:40
